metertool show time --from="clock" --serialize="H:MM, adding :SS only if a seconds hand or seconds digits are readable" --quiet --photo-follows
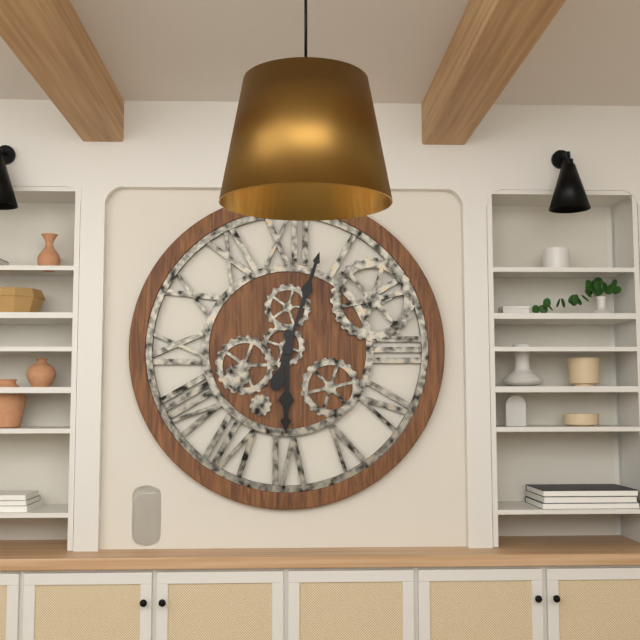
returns 6:03
